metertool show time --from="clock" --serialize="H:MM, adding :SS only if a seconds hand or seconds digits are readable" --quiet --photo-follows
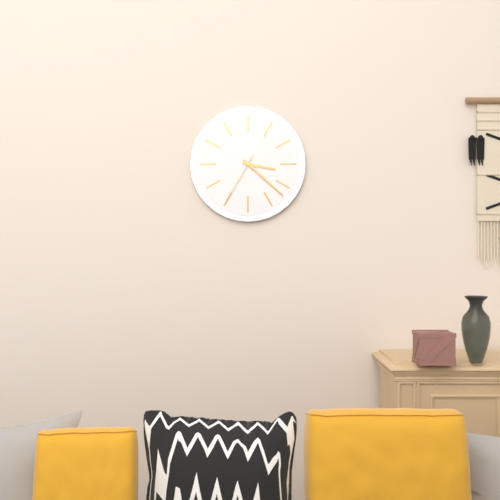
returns 3:22:35
